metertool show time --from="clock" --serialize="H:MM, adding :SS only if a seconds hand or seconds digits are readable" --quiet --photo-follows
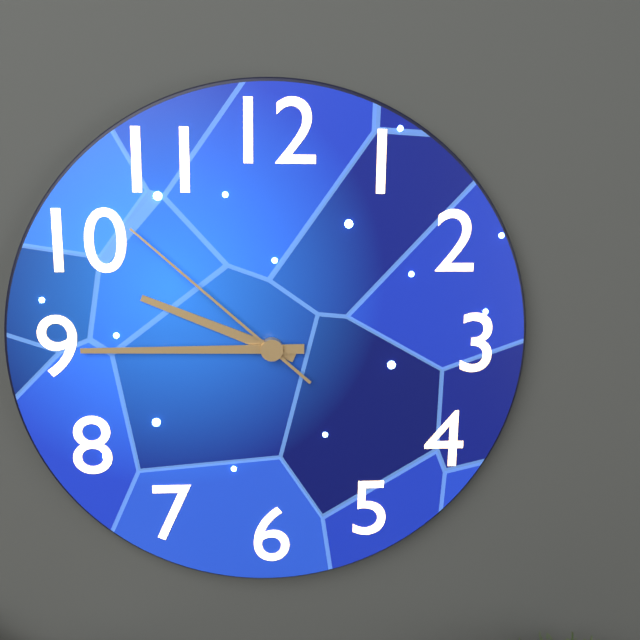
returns 9:45:52
